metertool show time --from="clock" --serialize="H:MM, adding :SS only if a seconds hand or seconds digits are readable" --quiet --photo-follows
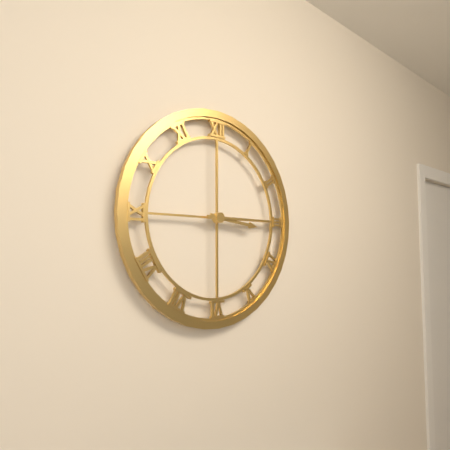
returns 3:15
